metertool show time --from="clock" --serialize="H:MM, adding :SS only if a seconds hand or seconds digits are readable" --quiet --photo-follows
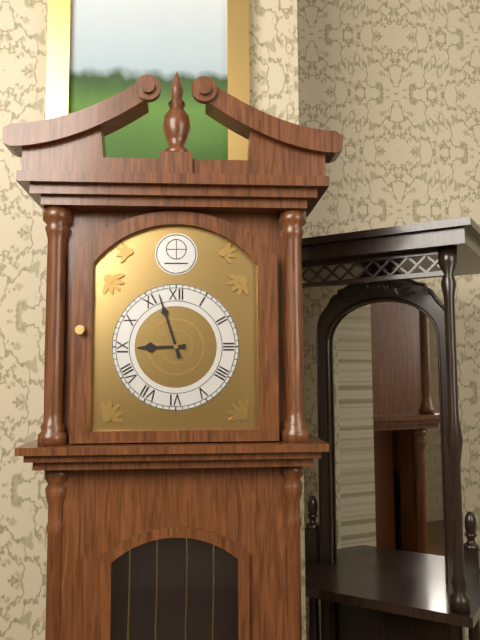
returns 8:57
